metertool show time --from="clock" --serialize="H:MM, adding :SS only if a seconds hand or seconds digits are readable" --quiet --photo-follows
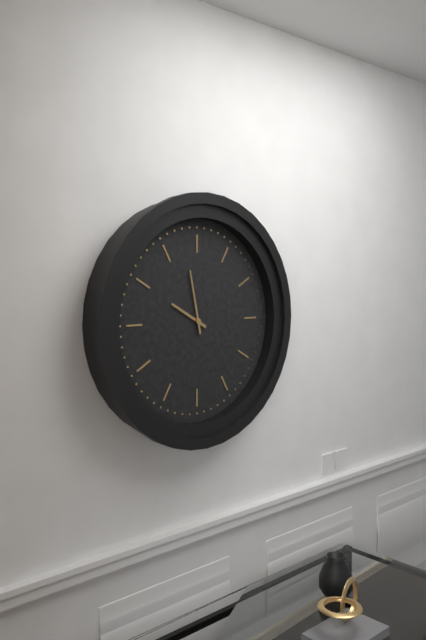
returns 9:58
